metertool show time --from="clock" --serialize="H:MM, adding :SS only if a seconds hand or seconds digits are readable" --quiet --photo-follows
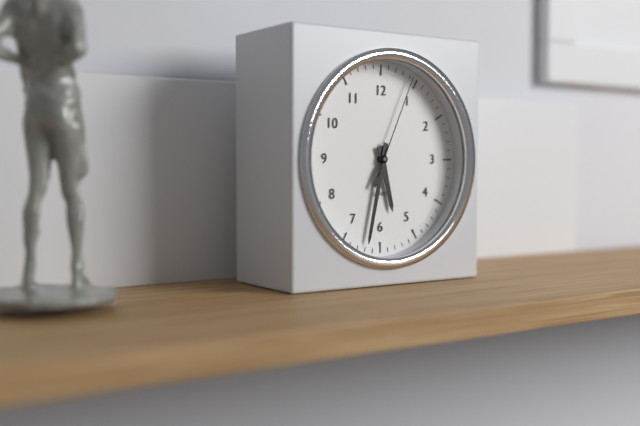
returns 5:32:04
